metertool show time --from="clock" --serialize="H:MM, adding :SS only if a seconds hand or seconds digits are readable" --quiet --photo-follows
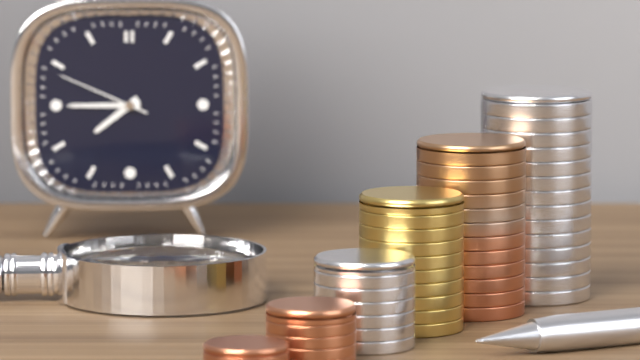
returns 7:45:49
